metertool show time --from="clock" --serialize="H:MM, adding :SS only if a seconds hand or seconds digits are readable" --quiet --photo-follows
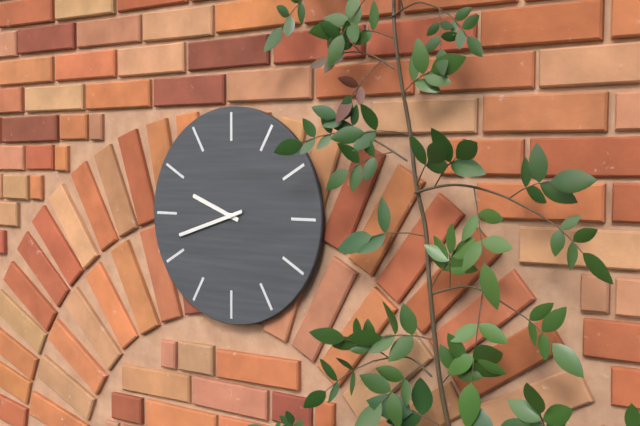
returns 9:42
